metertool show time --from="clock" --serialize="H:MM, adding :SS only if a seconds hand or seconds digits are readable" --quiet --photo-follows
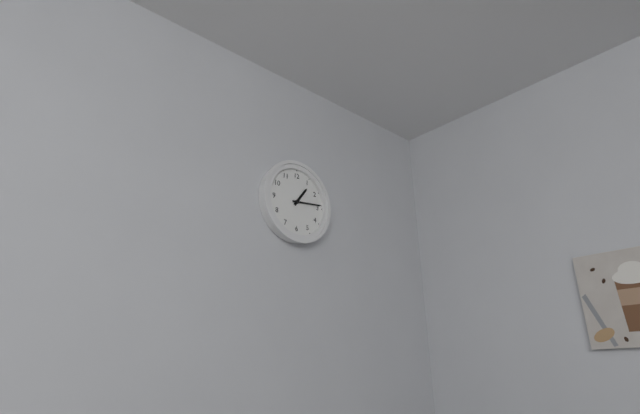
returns 1:14
